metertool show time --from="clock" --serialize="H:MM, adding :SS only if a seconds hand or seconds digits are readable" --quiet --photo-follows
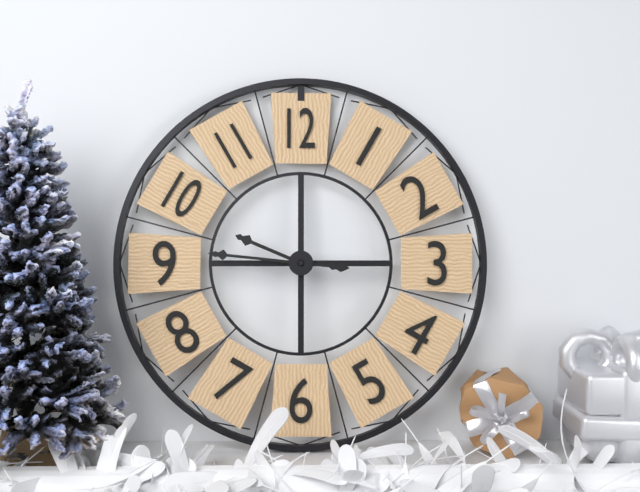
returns 9:46
